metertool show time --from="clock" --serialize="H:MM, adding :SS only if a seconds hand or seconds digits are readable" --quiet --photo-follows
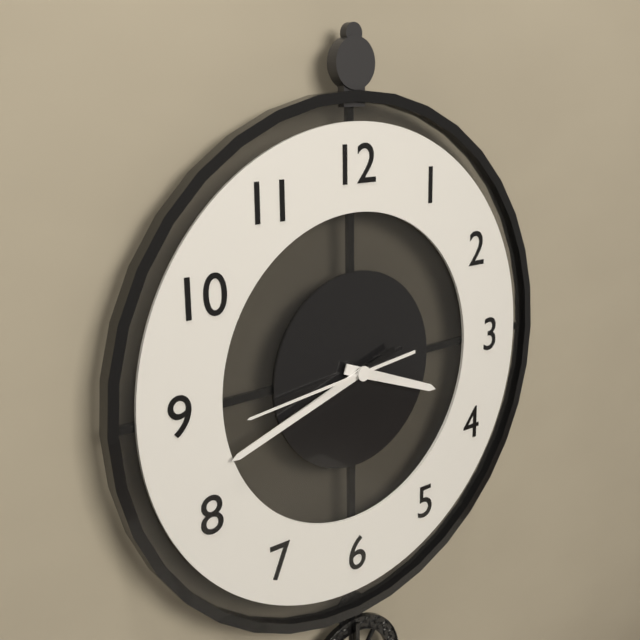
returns 3:42:44
